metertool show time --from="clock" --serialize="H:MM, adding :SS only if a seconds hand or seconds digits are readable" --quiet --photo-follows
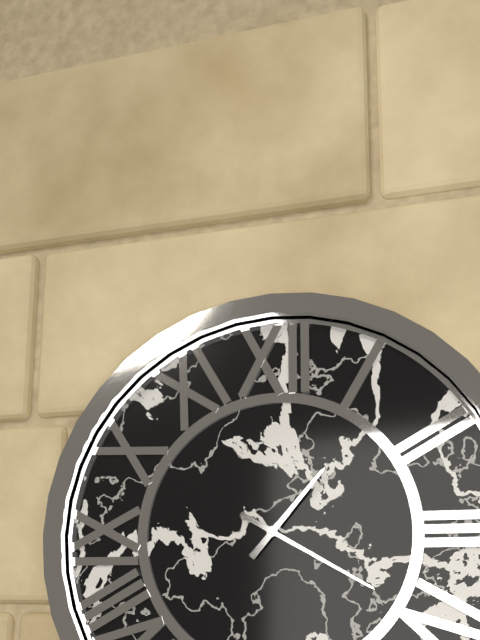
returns 1:20
